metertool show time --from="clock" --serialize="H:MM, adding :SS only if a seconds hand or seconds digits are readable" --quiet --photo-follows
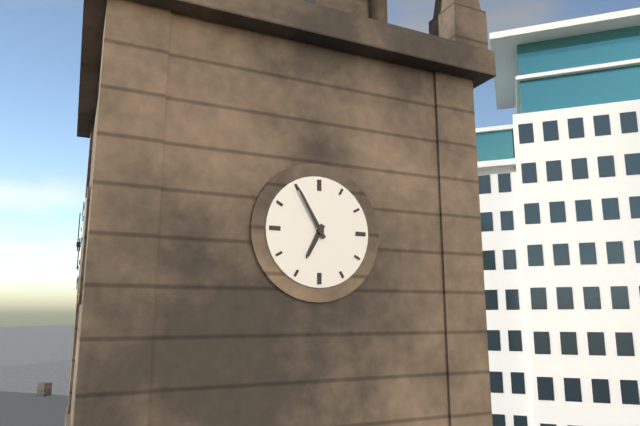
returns 6:55
